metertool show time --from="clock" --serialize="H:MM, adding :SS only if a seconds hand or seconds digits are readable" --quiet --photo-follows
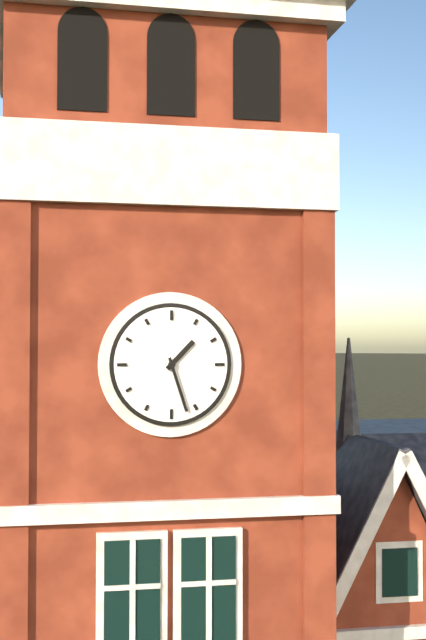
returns 1:27
